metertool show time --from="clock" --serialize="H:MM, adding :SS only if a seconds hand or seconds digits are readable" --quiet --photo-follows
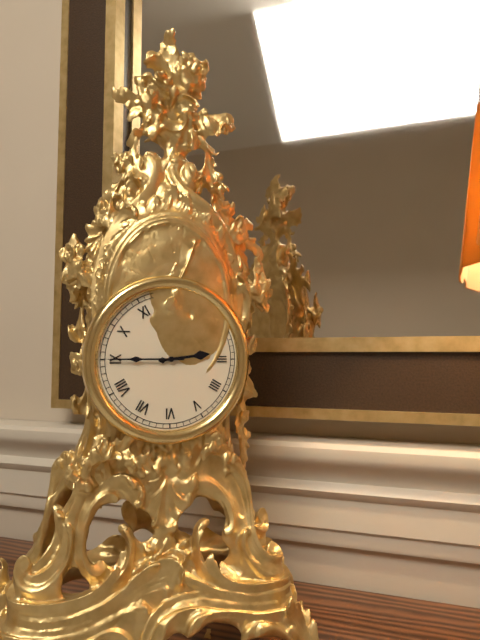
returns 2:45
